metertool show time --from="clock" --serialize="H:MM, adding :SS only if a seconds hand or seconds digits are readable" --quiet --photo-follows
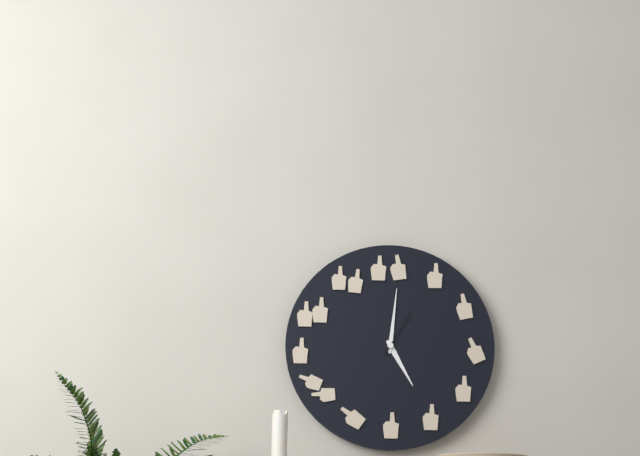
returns 5:01:05
